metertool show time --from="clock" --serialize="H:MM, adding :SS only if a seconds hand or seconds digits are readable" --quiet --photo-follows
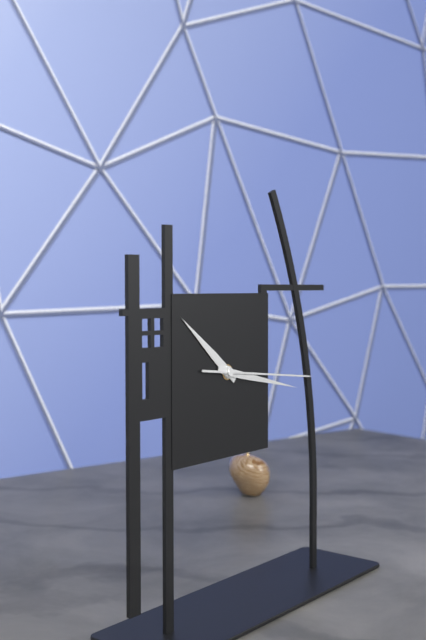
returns 10:17:16
